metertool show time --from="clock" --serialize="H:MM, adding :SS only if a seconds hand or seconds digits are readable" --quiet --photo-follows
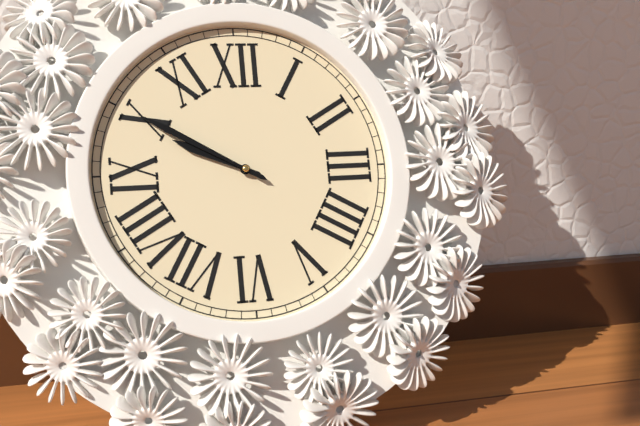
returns 9:50
